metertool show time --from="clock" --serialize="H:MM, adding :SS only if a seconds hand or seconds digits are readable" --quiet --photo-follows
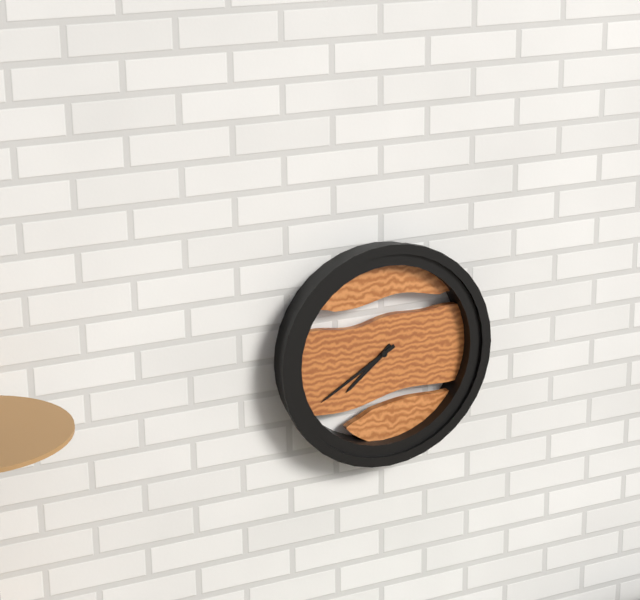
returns 7:40
